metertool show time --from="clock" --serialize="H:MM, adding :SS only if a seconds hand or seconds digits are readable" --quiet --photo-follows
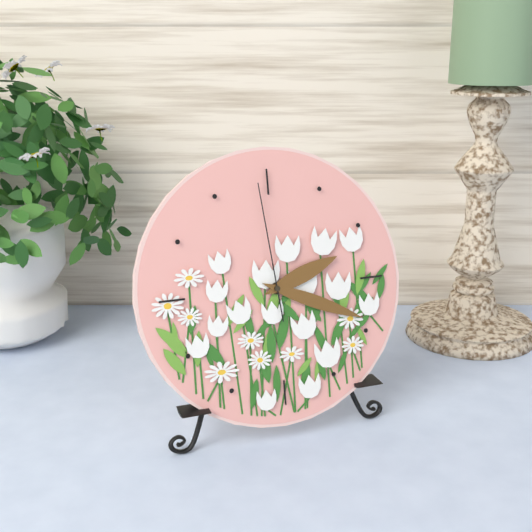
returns 2:19:59
